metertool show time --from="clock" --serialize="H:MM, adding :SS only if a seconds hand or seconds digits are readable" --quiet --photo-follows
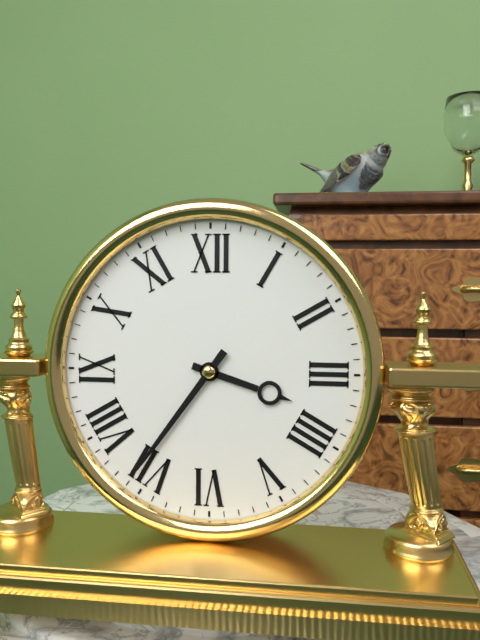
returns 3:36
